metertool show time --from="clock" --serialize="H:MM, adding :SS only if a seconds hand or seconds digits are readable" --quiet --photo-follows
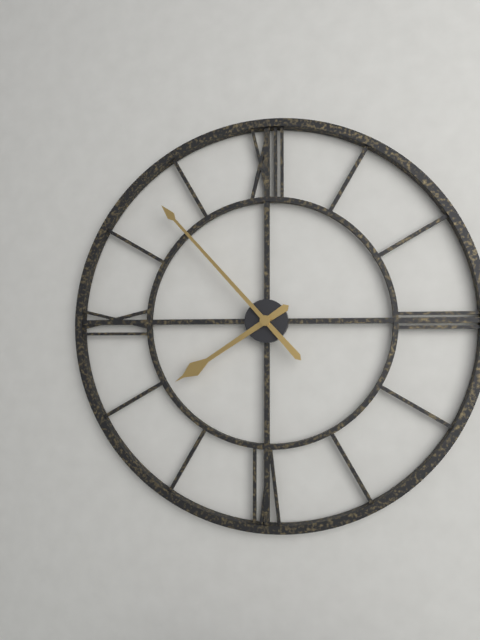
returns 7:53
